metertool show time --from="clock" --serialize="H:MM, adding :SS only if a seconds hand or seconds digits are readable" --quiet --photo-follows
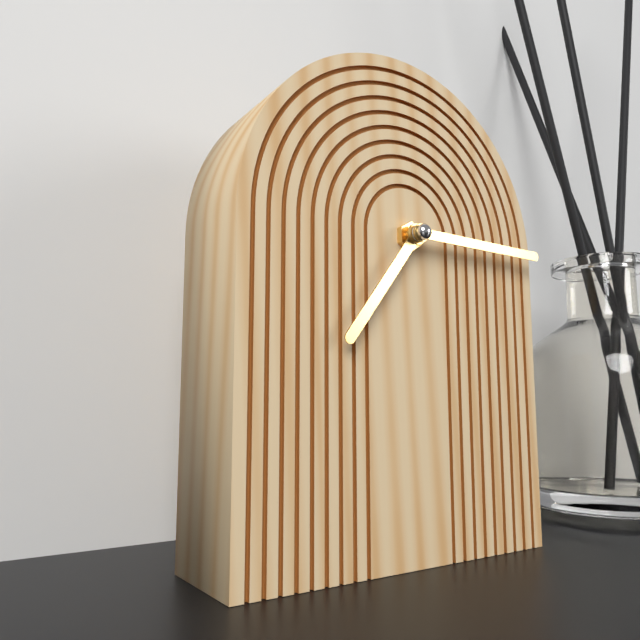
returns 7:15
